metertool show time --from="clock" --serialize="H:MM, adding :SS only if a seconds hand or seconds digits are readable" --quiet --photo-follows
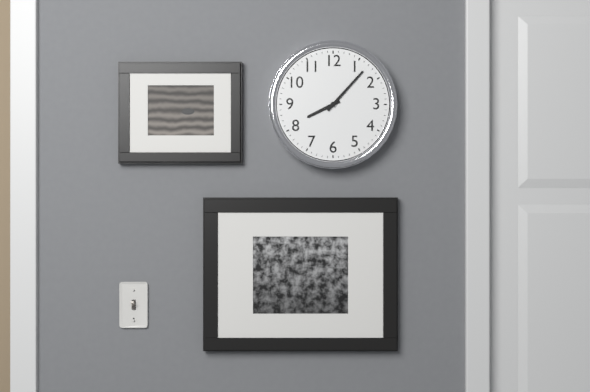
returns 8:07
